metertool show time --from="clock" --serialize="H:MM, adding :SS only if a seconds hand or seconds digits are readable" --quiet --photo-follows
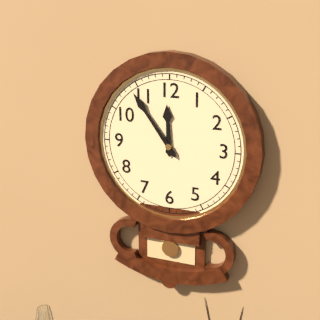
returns 11:54
